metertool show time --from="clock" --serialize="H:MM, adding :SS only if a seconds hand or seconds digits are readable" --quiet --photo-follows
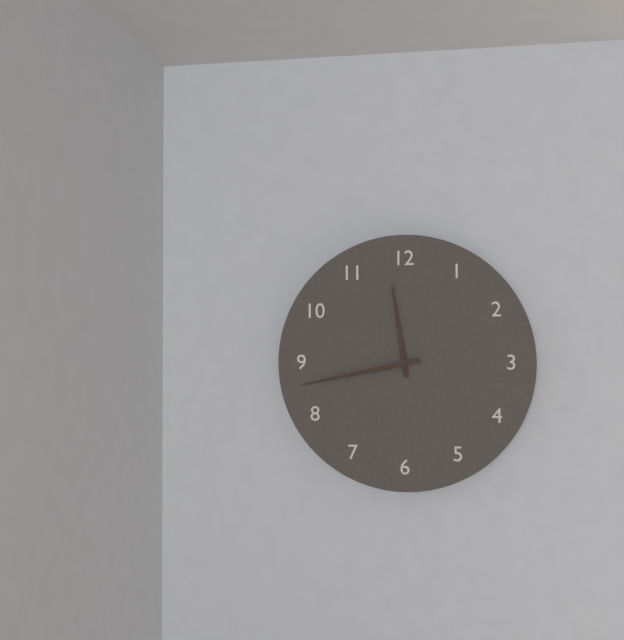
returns 11:43
